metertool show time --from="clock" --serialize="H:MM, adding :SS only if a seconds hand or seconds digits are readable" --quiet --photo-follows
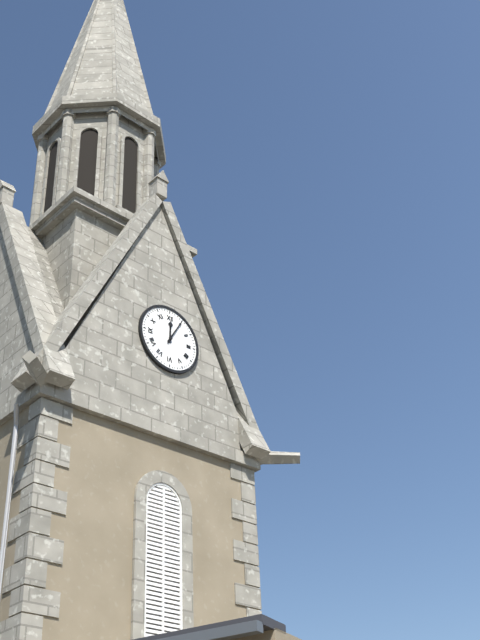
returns 12:05
